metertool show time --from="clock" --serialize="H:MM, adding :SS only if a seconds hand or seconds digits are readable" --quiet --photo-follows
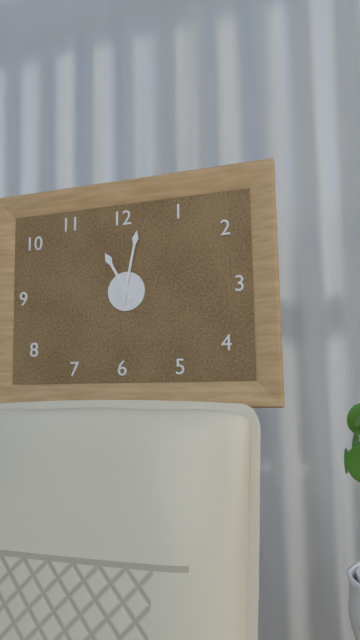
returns 11:02
